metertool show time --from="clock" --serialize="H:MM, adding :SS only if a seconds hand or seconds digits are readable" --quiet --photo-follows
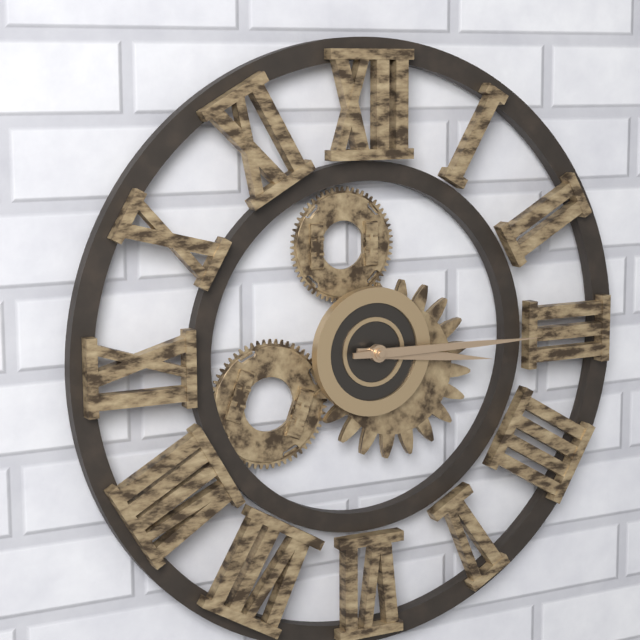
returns 3:15
